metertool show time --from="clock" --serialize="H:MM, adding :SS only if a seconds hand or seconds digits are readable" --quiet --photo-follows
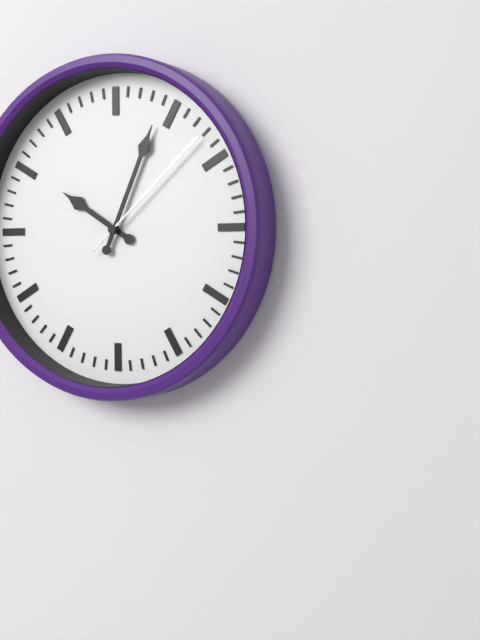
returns 10:04:08
